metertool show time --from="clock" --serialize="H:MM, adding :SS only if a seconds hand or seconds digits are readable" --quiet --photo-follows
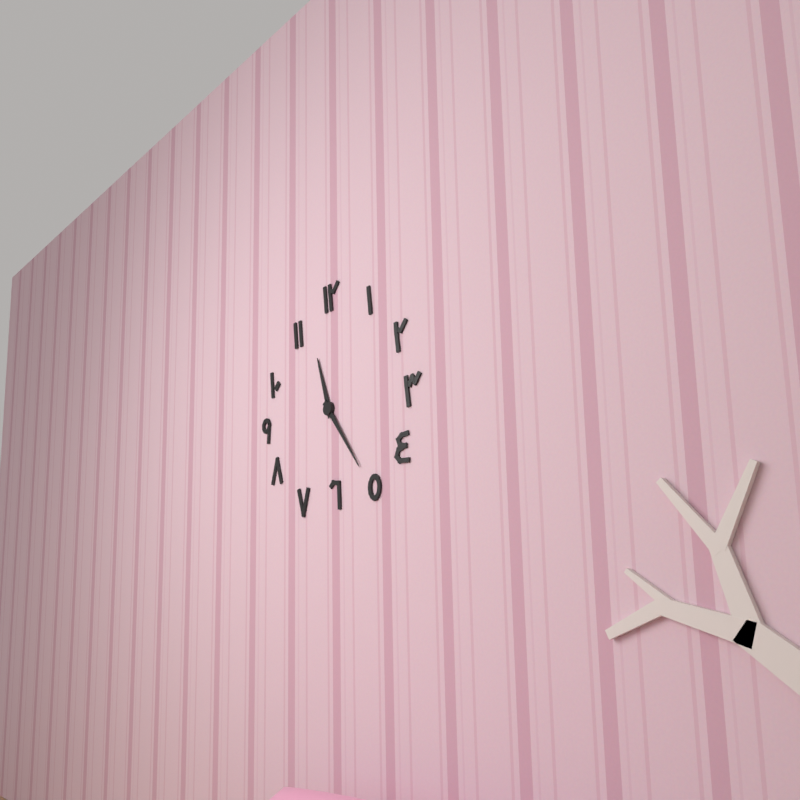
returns 11:24
